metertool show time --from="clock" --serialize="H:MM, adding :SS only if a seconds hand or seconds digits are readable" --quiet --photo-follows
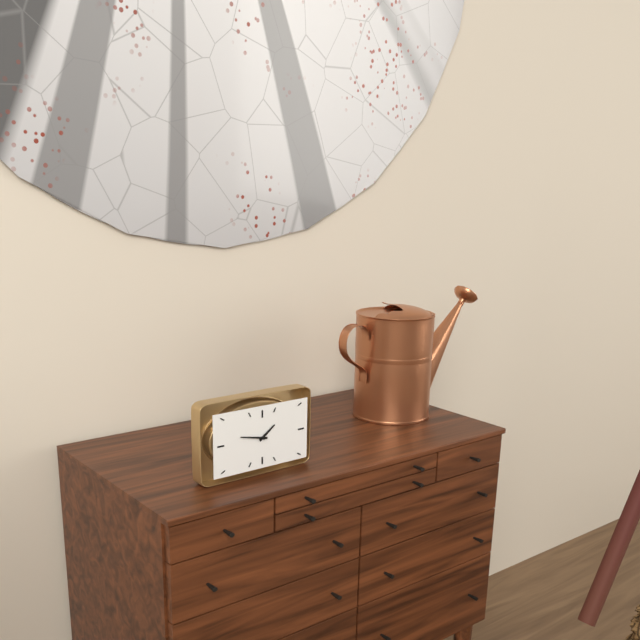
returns 1:47
